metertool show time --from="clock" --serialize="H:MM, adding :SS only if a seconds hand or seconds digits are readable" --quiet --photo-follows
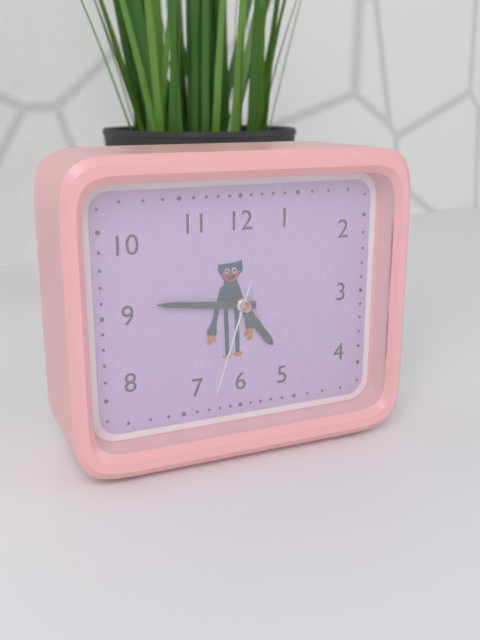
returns 4:46:33
